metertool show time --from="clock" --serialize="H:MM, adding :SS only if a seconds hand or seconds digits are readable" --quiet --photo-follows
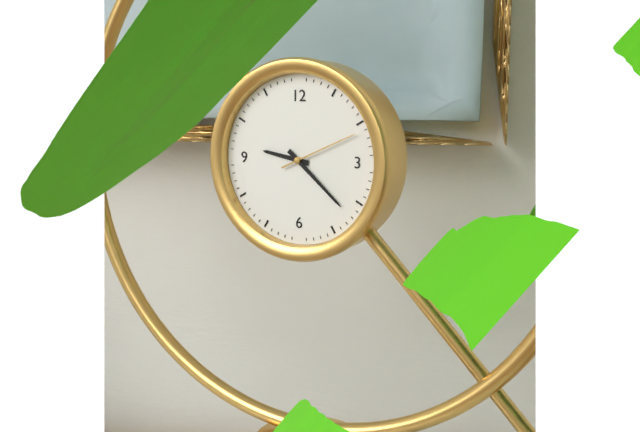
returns 9:22:11
